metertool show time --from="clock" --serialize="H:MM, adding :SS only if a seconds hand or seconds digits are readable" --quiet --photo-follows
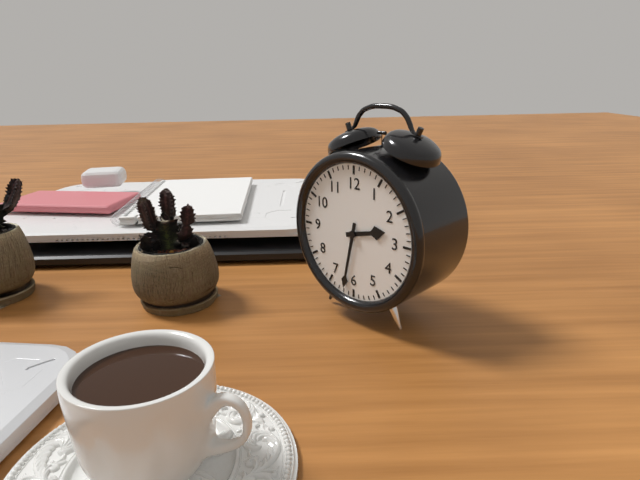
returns 2:32
